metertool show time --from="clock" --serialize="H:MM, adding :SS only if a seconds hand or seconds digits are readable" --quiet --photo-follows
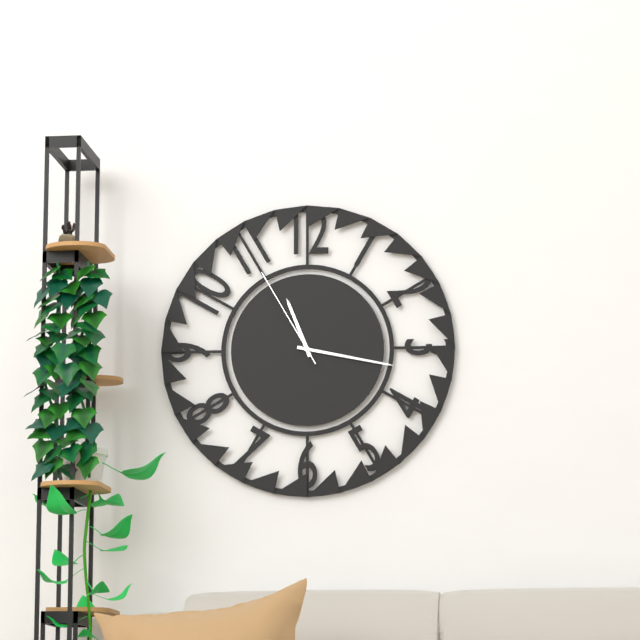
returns 11:17:55
